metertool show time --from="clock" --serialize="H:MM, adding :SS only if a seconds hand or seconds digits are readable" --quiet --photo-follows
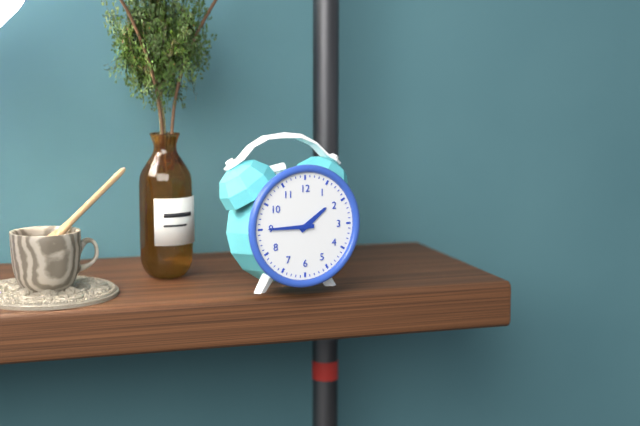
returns 1:45
